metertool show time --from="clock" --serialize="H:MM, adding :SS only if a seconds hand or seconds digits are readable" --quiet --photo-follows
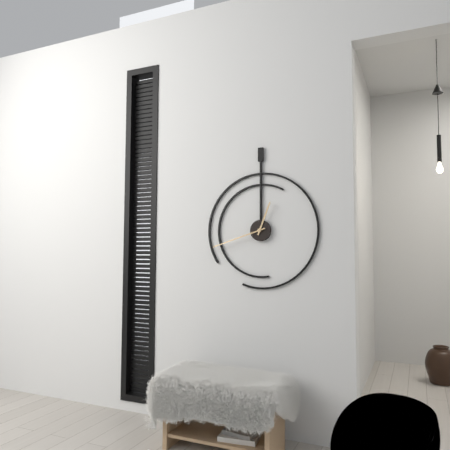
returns 12:42
